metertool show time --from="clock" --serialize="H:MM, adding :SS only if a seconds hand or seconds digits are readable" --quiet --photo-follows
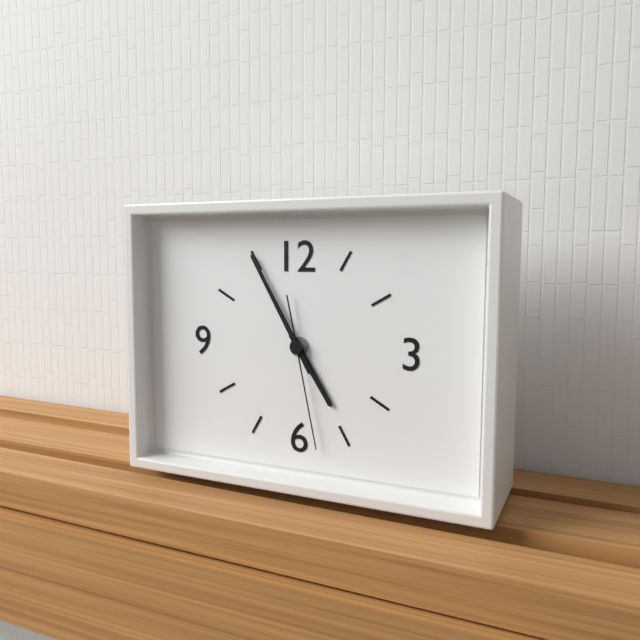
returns 4:55:28
